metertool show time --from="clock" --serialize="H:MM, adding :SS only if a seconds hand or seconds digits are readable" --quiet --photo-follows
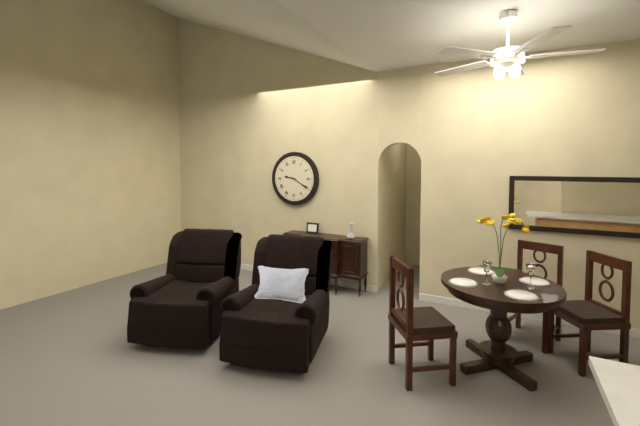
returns 9:20
